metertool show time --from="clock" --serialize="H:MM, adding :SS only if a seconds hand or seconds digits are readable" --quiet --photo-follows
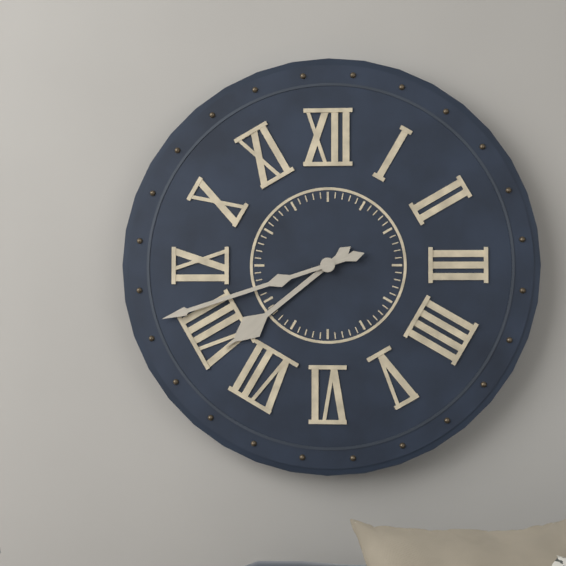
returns 7:42
